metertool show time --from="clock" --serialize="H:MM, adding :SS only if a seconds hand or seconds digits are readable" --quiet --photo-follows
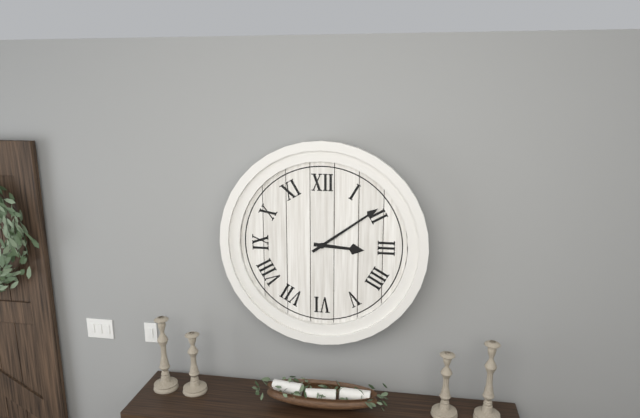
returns 3:09
